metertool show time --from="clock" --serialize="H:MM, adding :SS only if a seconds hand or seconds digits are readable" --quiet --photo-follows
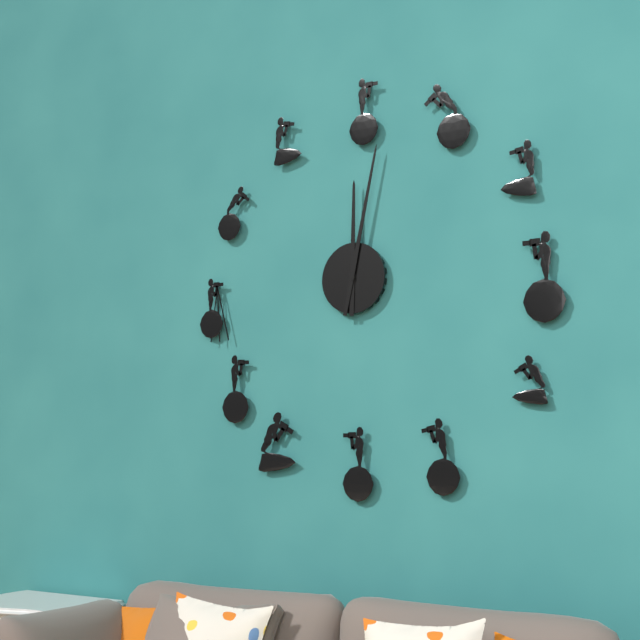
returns 12:02
